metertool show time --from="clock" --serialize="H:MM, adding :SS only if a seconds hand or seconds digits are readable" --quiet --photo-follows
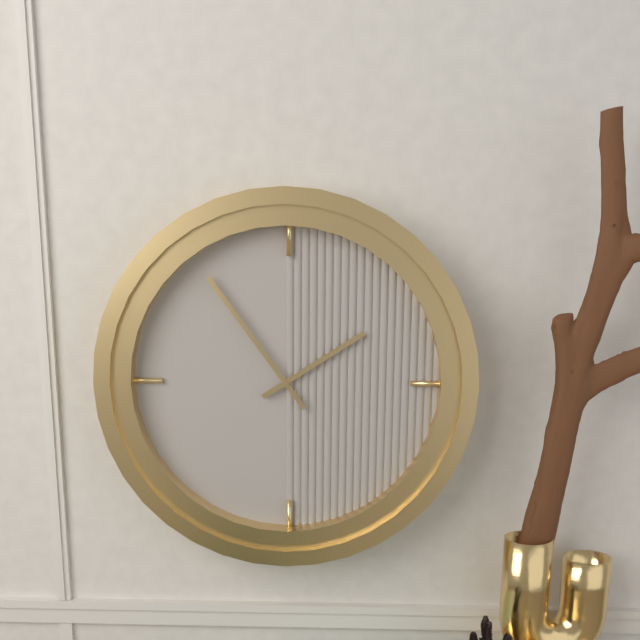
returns 1:54
